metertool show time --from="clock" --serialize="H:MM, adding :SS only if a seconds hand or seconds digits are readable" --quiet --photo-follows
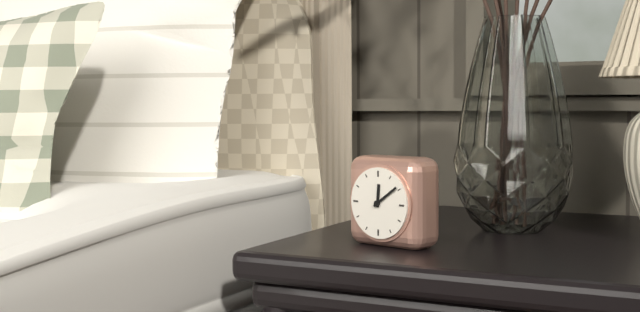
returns 12:09
